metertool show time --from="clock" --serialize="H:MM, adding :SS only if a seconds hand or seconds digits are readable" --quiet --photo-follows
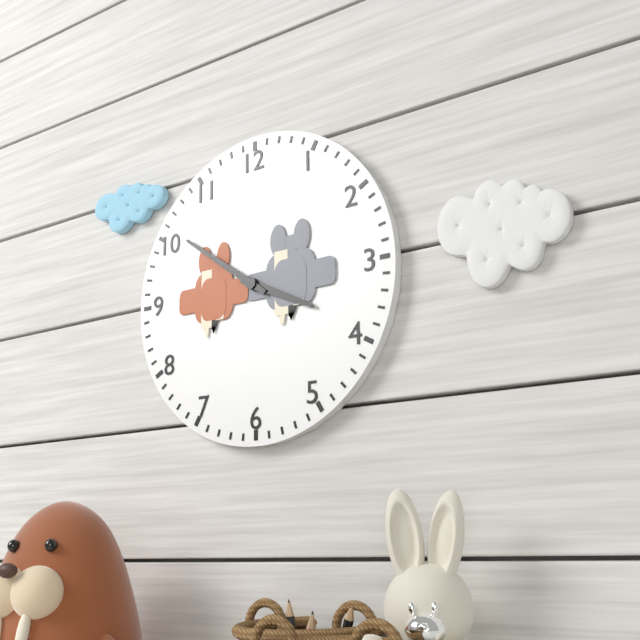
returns 3:51
